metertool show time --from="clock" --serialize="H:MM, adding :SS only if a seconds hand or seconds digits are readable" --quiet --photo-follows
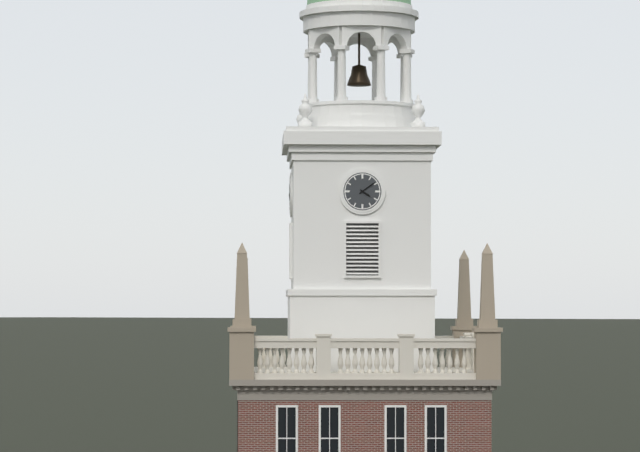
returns 4:09
